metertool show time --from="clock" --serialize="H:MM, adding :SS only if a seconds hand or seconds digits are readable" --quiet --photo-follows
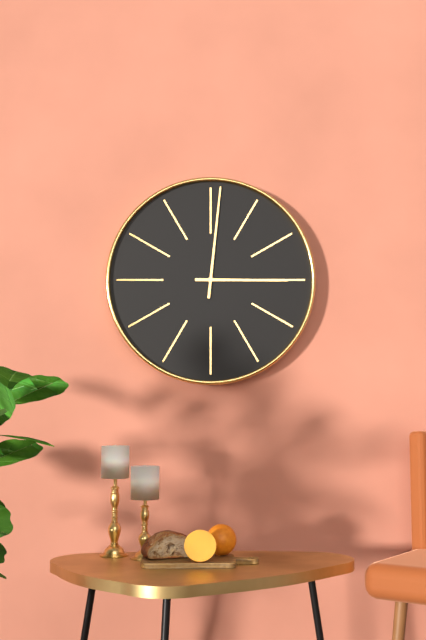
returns 3:01
